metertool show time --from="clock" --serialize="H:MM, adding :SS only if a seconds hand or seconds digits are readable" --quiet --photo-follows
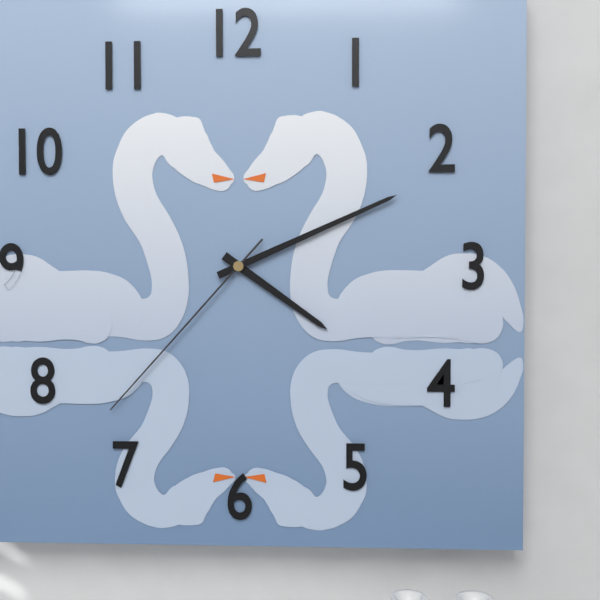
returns 4:11:37
